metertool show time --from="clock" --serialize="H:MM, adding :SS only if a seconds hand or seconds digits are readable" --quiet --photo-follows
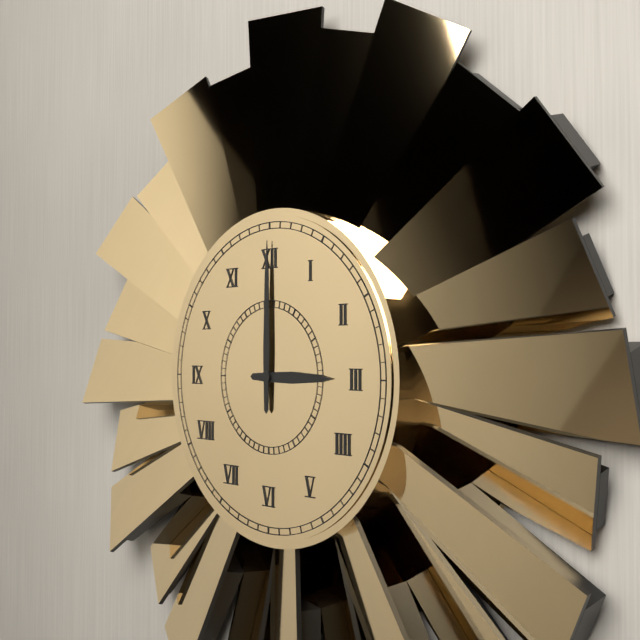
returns 3:00
